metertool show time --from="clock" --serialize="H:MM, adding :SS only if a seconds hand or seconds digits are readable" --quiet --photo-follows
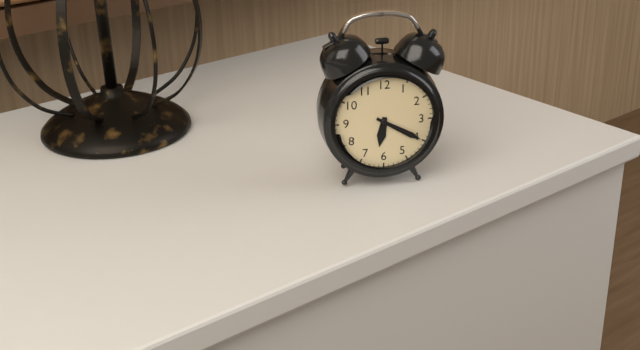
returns 6:20
